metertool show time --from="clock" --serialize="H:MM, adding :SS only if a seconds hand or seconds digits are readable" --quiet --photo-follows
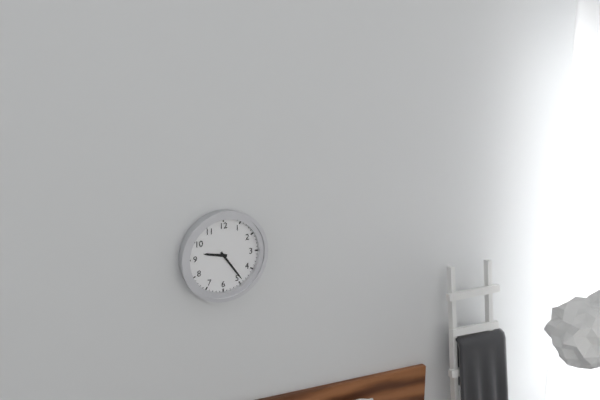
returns 9:24
